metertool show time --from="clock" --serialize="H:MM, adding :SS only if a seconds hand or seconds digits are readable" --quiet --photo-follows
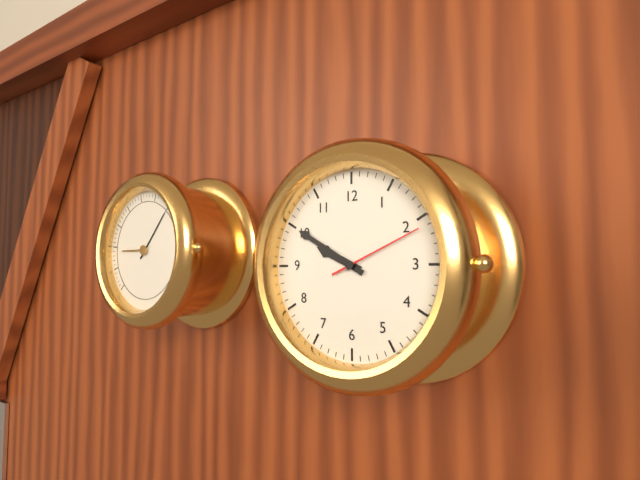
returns 9:50:11
